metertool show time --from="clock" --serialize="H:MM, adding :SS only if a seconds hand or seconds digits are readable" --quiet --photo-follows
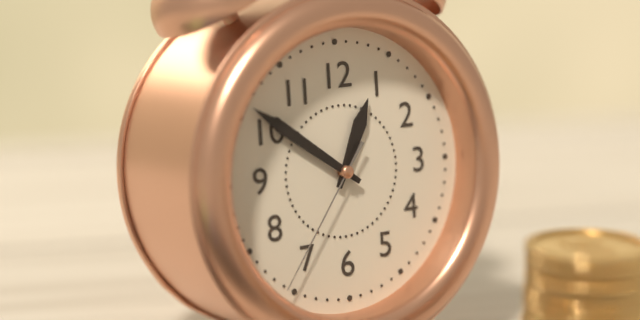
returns 12:51:36
